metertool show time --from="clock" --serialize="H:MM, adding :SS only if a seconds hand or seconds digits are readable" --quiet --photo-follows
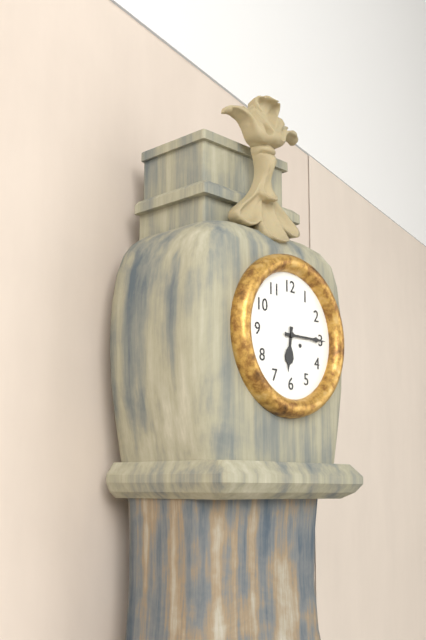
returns 6:15
